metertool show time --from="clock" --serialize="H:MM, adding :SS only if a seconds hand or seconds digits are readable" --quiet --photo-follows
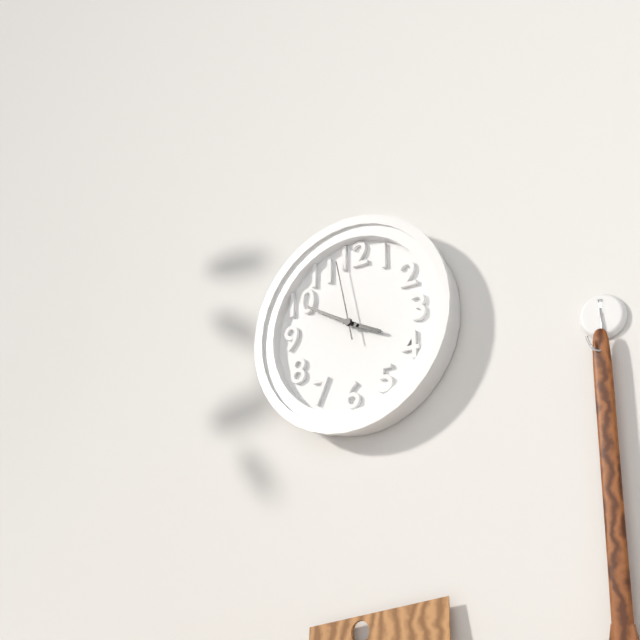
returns 3:50:58
